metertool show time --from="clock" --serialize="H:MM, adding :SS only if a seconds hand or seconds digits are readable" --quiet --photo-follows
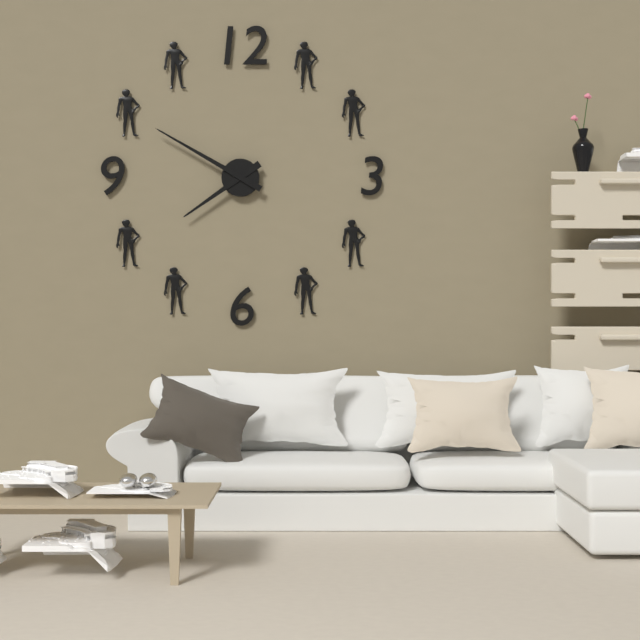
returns 7:50
